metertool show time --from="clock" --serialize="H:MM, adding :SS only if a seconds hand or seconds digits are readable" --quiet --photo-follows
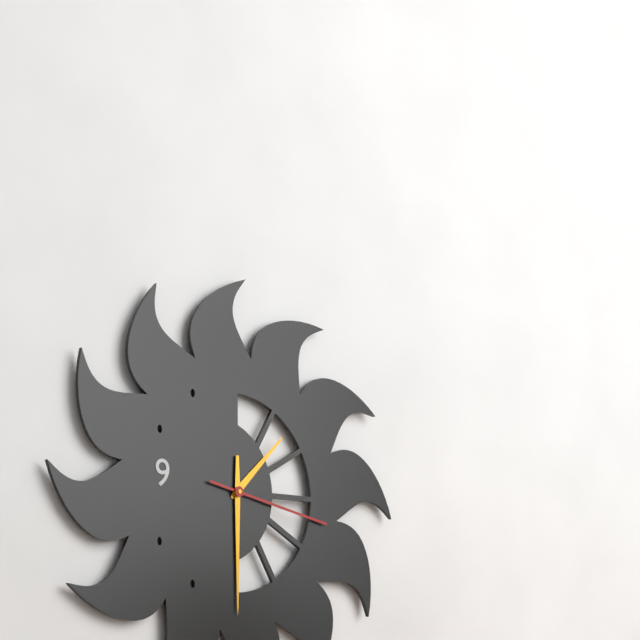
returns 1:30:17
